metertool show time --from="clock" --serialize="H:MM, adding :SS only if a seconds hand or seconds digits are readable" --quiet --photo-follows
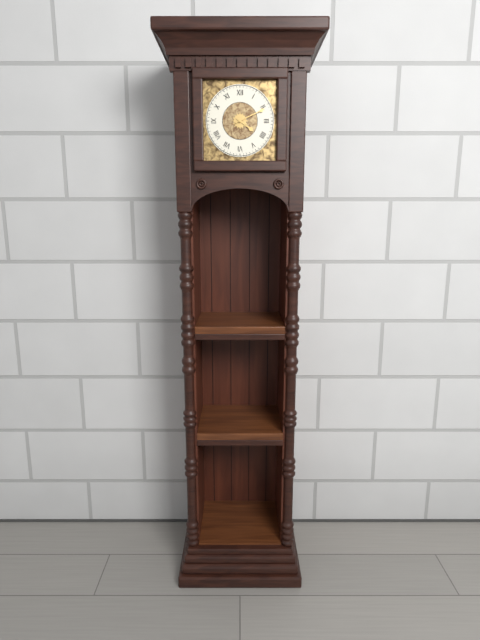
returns 4:11
